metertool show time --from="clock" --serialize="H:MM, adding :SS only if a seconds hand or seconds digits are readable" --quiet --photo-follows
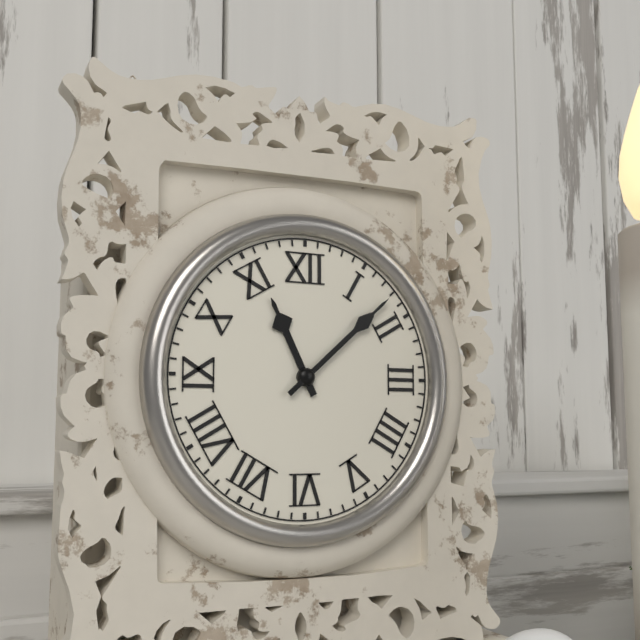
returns 11:08
